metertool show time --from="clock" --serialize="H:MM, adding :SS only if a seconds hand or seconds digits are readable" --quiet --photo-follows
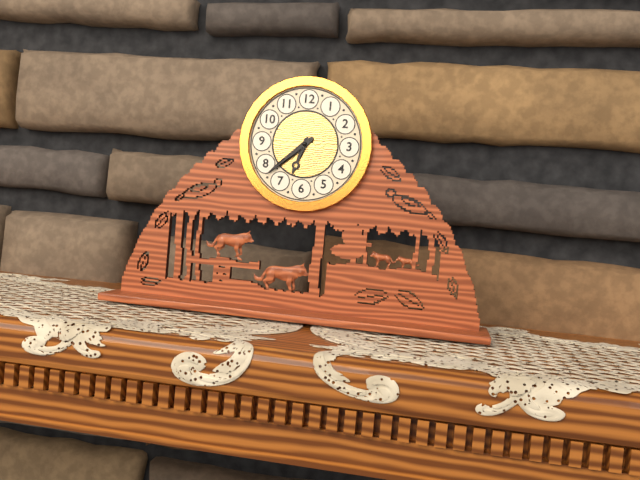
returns 6:38
